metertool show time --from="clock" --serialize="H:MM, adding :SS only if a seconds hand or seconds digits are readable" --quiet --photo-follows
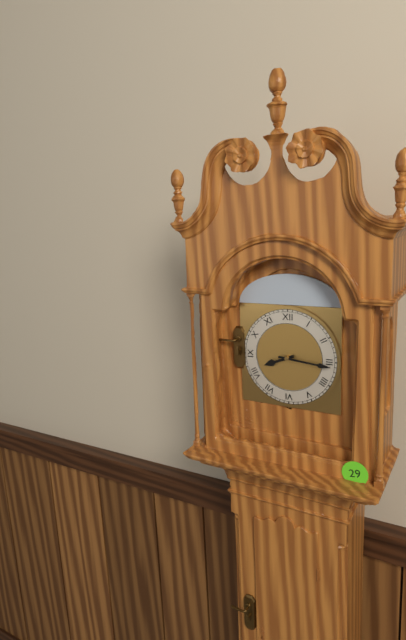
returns 8:16
